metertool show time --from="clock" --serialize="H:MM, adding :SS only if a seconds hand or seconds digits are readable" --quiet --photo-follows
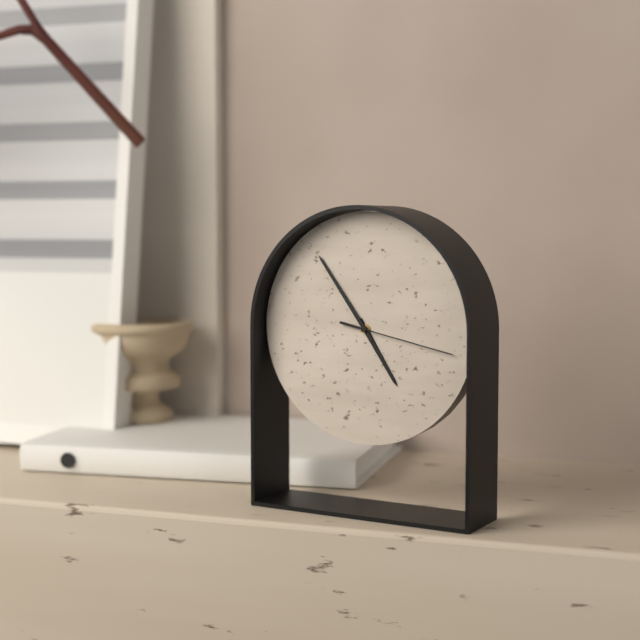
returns 4:54:17
